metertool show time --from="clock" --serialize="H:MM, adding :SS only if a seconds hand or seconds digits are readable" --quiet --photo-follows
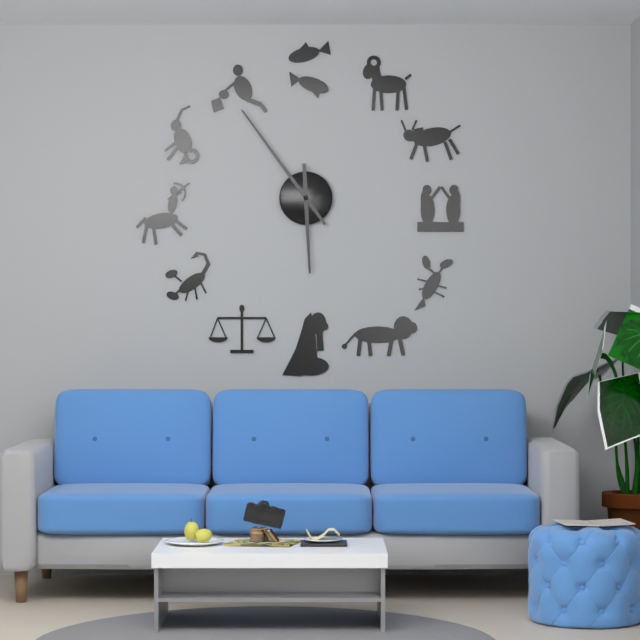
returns 5:54
